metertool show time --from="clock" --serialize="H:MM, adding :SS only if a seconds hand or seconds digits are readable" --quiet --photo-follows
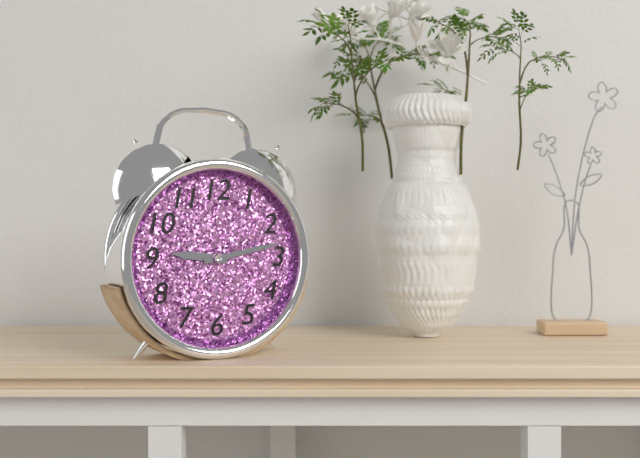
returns 9:13
